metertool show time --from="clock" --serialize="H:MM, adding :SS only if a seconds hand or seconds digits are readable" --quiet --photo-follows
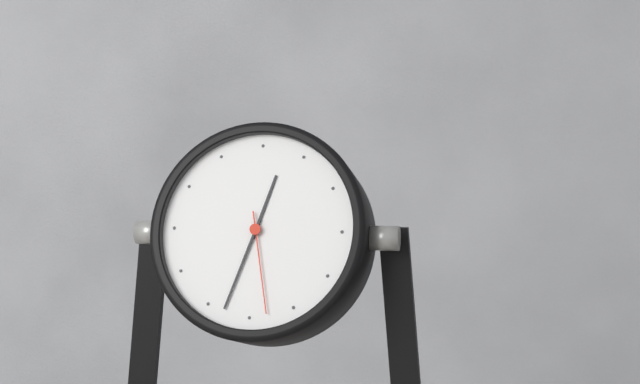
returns 12:33:28
